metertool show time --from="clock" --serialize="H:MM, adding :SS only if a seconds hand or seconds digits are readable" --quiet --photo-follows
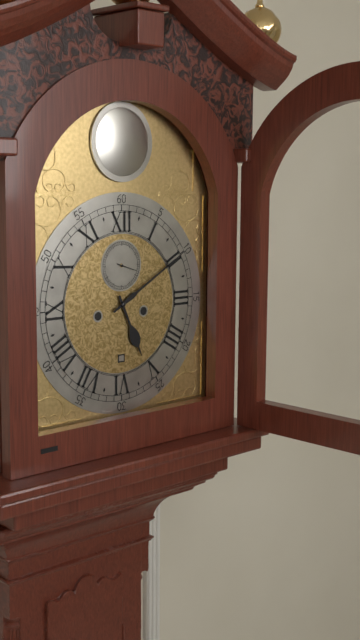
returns 5:10
